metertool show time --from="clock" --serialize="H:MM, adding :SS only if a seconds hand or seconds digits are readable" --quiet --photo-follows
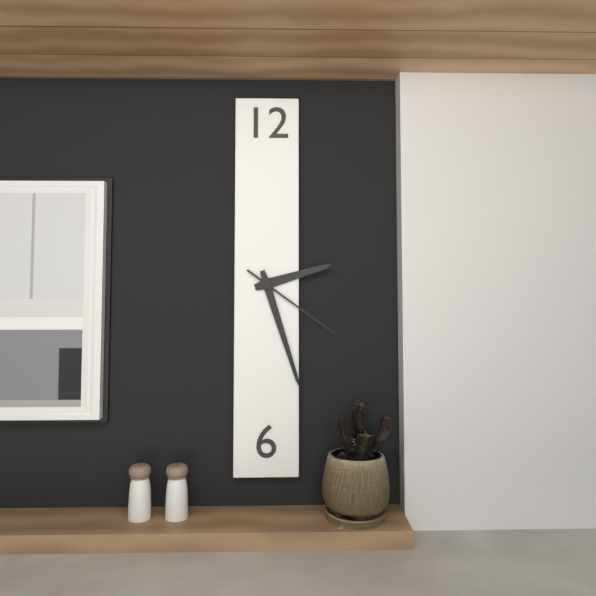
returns 2:27:21
